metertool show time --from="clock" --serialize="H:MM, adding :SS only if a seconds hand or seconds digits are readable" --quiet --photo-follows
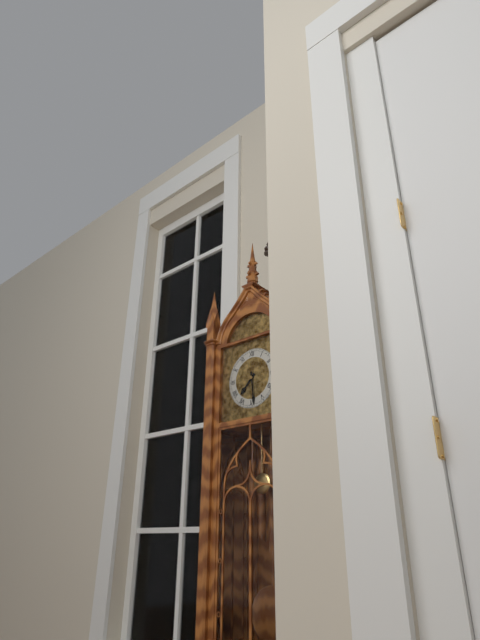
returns 7:29
